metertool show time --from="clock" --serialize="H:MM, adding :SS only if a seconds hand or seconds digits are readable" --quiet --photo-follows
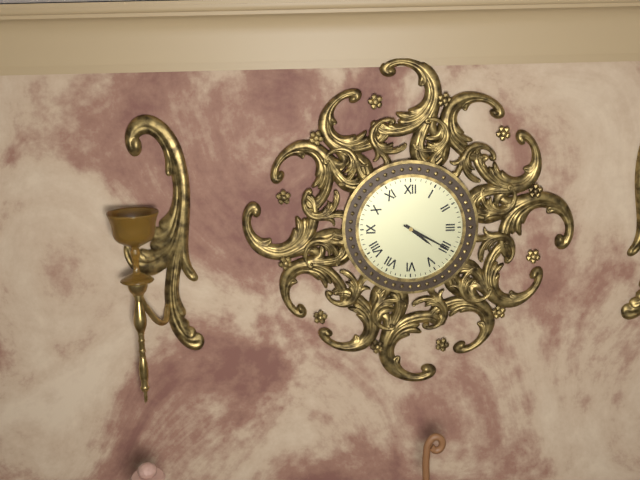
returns 4:20
